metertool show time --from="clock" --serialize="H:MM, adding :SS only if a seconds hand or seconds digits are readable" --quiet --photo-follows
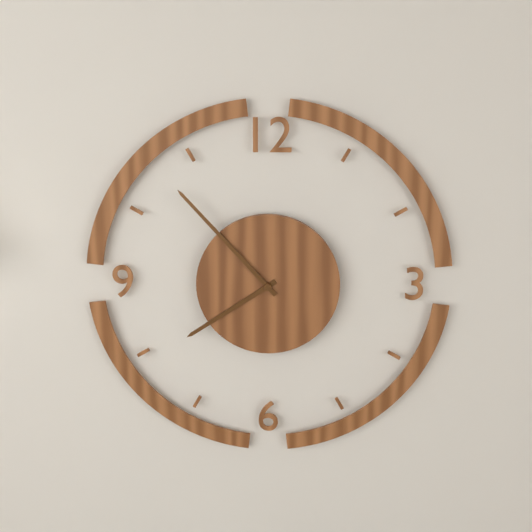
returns 7:53
